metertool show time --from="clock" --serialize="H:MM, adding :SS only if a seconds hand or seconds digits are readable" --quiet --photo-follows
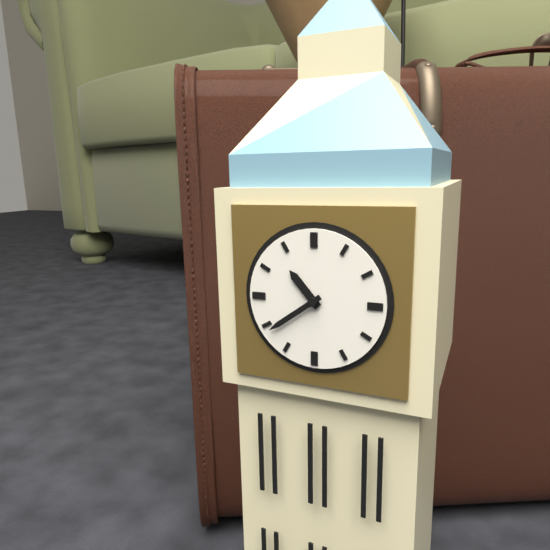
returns 10:39
